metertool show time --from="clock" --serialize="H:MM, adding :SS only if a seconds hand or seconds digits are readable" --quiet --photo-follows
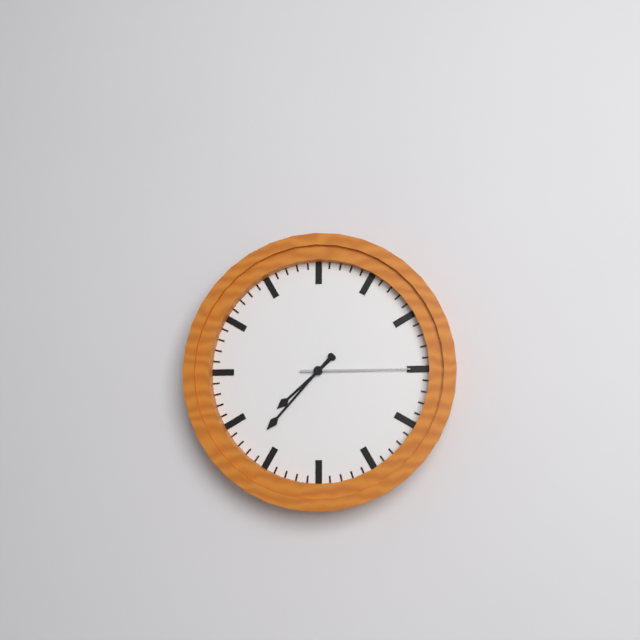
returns 7:37:15
